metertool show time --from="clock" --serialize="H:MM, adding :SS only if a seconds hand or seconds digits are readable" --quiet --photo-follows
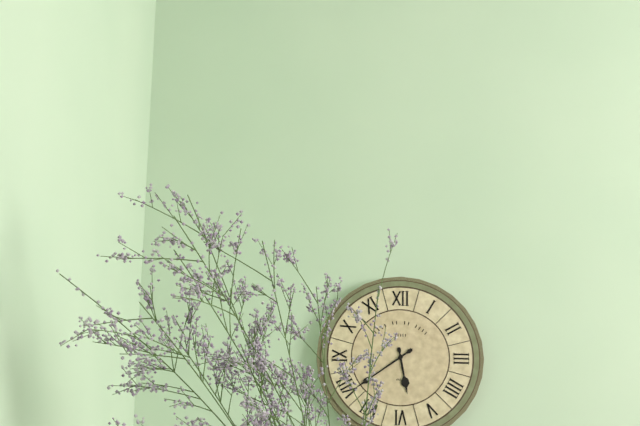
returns 5:39
